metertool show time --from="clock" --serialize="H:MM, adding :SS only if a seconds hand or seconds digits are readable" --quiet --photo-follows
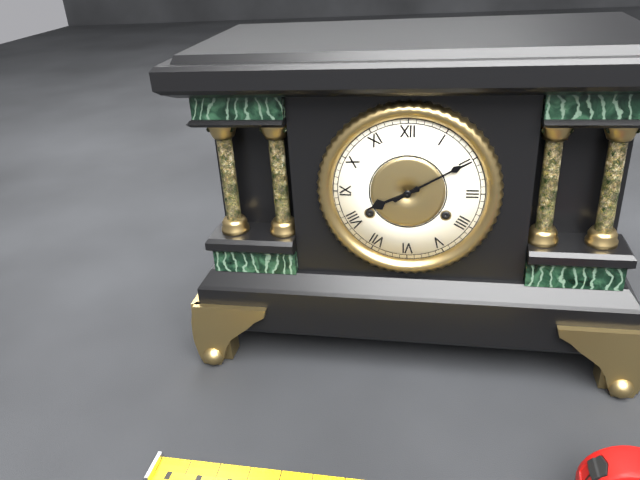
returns 8:10
